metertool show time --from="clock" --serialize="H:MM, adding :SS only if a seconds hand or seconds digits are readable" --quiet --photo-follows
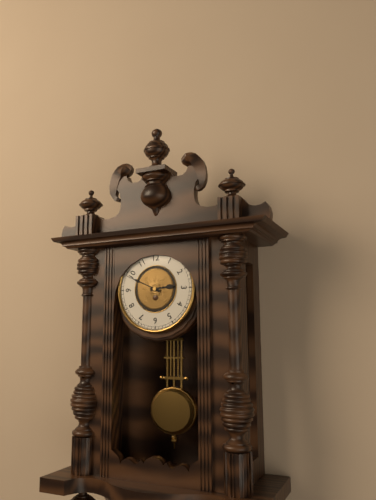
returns 2:49
